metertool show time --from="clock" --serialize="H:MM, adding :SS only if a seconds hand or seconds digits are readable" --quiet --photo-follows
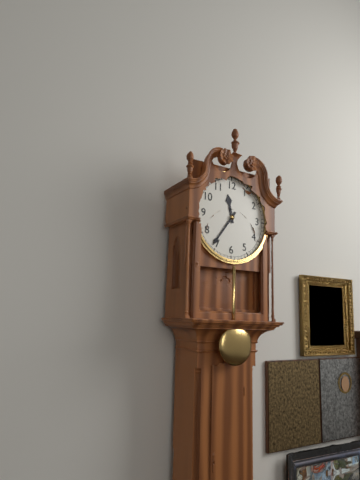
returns 11:36
